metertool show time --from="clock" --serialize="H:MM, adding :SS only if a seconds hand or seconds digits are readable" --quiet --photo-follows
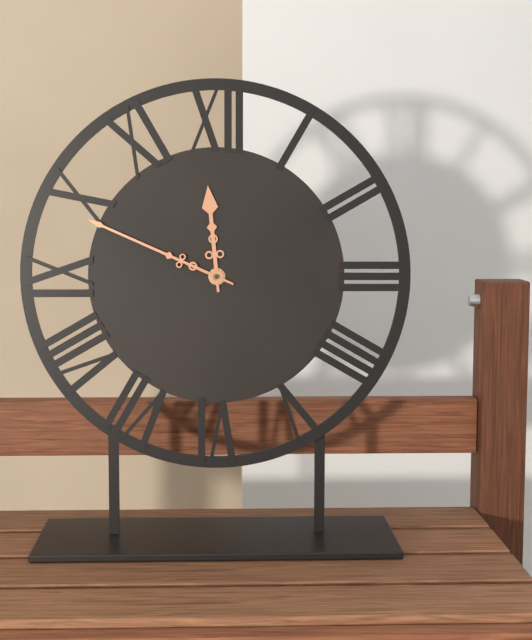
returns 11:49
